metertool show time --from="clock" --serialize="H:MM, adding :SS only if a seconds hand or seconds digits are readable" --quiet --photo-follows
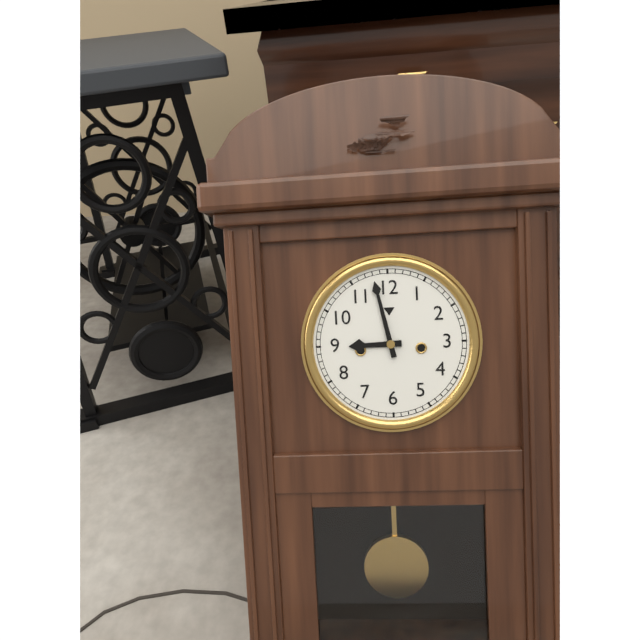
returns 8:58
